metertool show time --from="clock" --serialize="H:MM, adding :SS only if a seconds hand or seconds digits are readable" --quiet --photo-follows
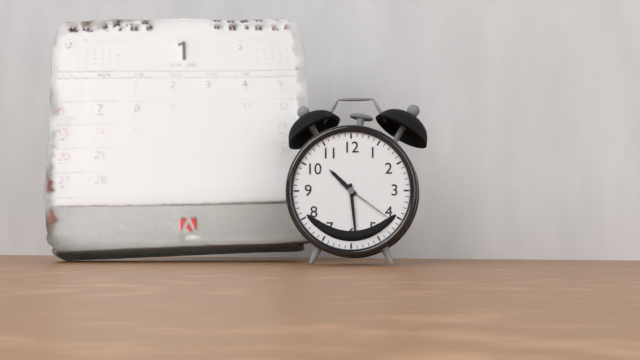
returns 10:29:21
